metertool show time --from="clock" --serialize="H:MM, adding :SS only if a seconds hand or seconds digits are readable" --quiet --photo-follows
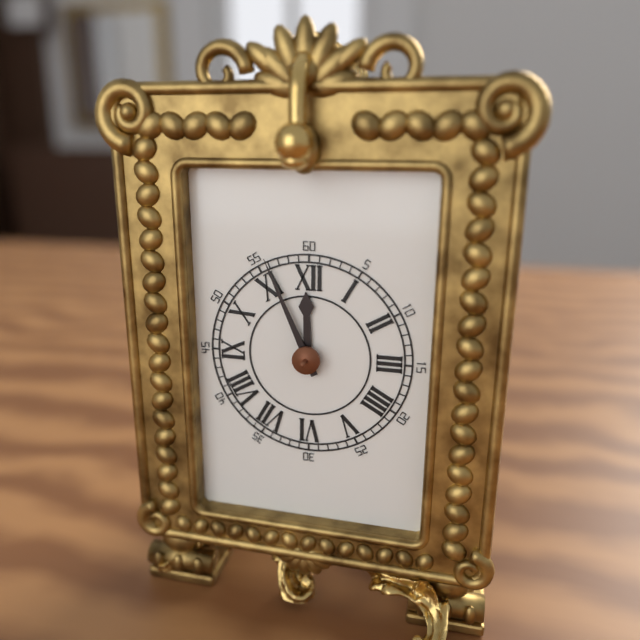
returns 11:56
